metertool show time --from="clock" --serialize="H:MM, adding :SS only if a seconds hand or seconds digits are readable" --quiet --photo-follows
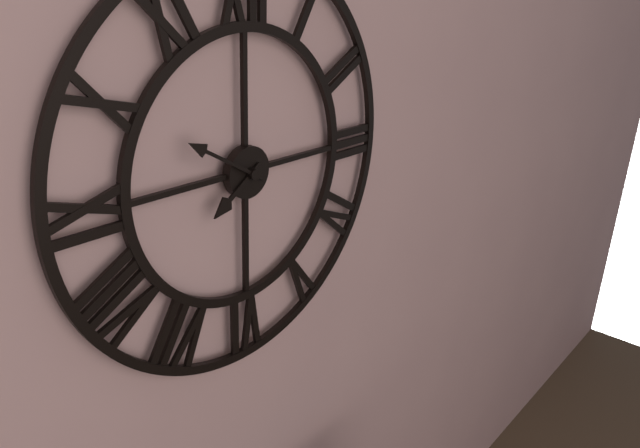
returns 7:50
